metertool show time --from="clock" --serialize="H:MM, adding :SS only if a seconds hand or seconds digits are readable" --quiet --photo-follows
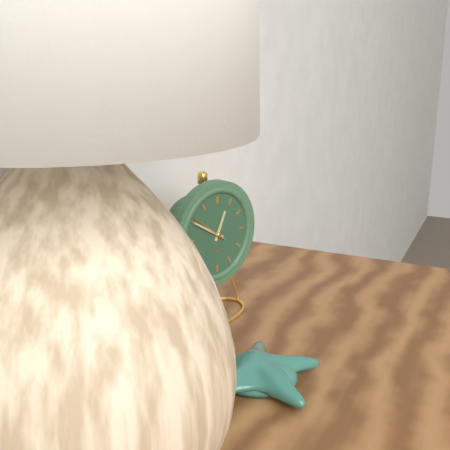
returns 12:50
